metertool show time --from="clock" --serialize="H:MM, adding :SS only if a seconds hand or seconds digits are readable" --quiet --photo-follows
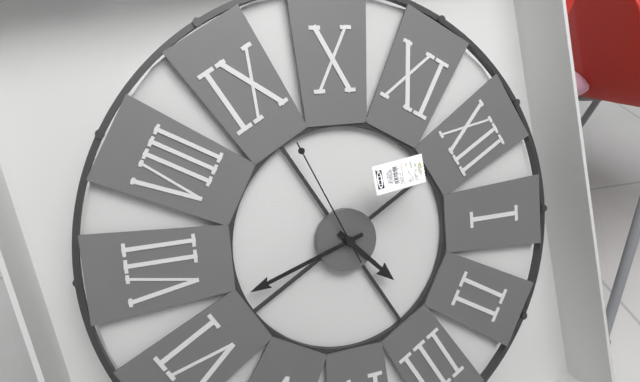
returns 2:32:46
